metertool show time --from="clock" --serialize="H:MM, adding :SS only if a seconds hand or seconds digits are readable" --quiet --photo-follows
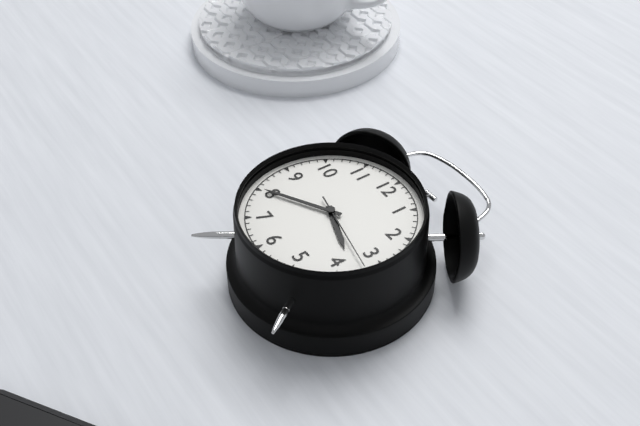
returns 3:40:17
